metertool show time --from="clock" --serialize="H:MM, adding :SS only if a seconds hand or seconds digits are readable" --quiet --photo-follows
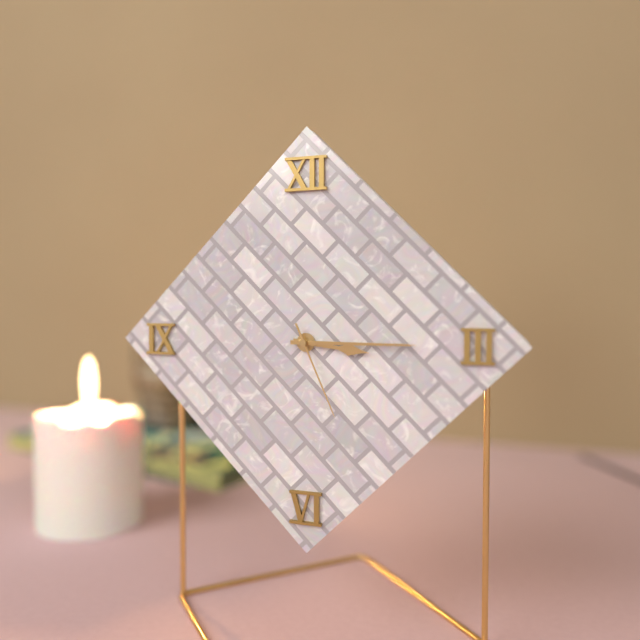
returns 3:15:26
